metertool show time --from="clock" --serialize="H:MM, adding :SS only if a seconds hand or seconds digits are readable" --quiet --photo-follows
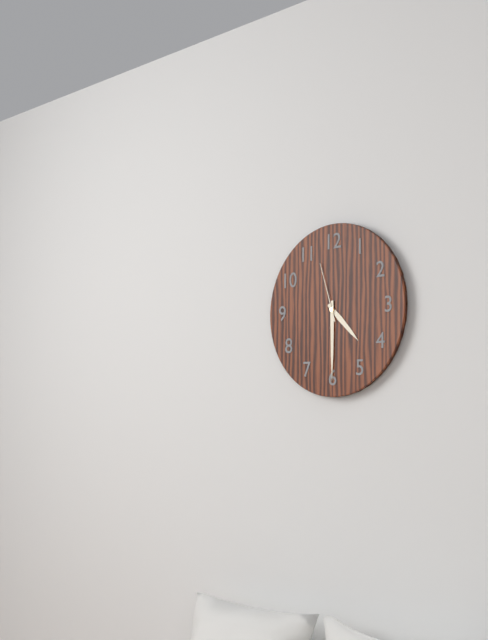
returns 4:30:57
